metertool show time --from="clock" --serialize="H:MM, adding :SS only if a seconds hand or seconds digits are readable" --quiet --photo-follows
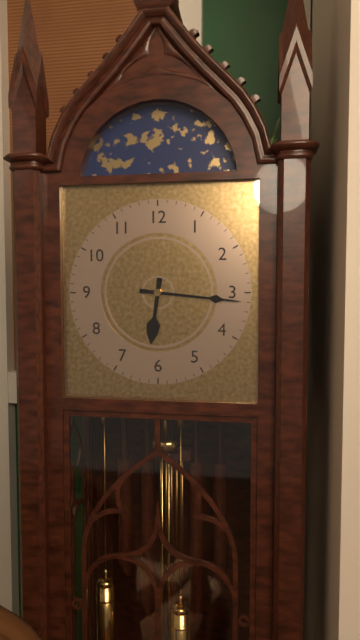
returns 6:16
